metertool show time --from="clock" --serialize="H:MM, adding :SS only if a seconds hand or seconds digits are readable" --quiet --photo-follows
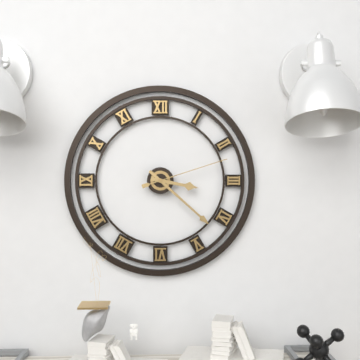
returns 3:22:12
